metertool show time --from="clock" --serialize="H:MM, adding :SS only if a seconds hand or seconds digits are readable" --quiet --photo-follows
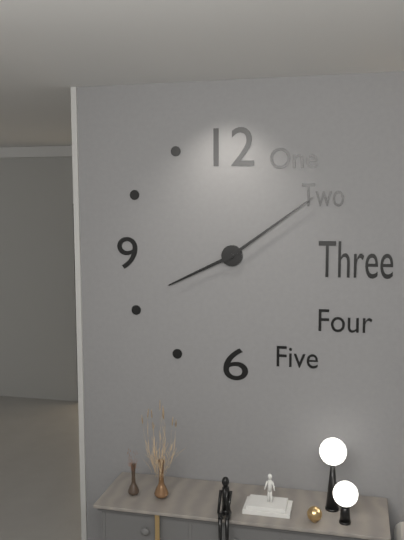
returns 8:09
